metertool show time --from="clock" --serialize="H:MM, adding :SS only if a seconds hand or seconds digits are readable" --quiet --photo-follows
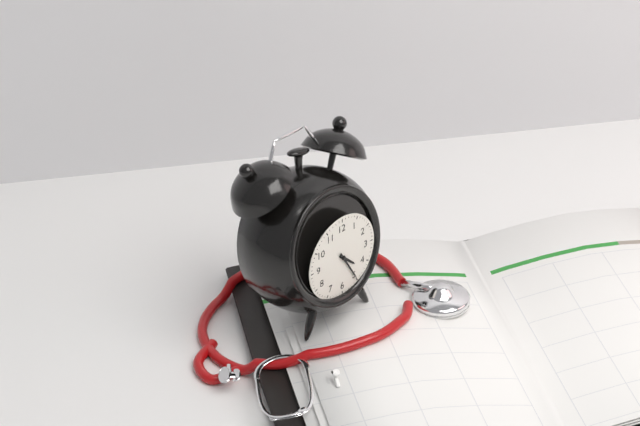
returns 4:25
